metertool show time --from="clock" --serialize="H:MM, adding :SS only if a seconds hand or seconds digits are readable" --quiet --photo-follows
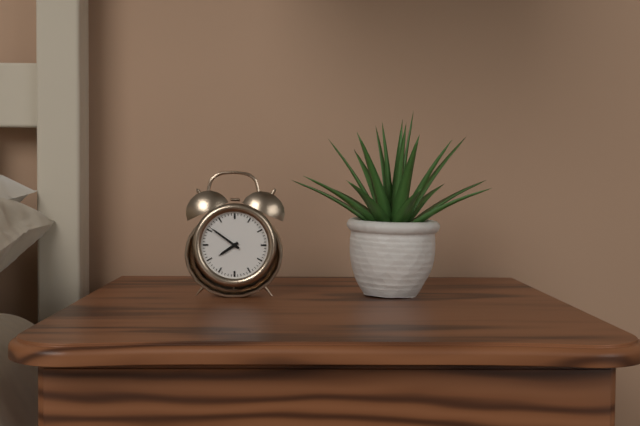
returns 7:51
